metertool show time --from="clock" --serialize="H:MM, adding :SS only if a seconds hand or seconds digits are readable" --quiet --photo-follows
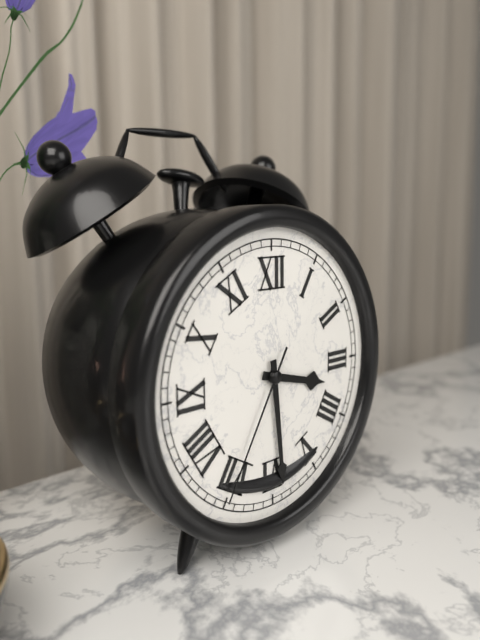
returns 3:29:35
